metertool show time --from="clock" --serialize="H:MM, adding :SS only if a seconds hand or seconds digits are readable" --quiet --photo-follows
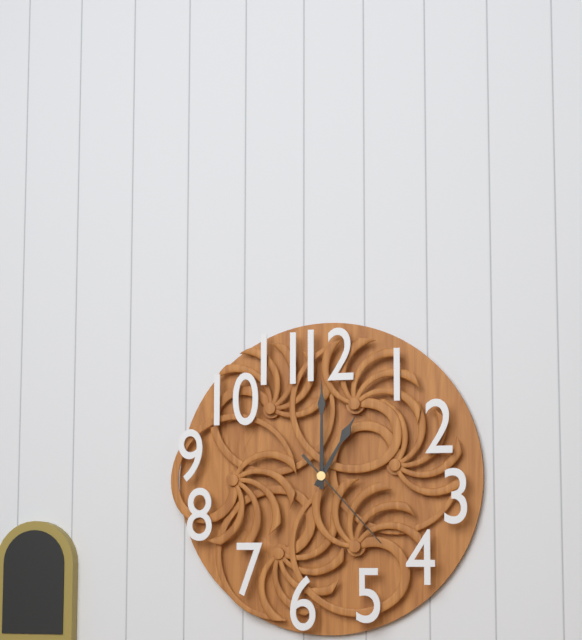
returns 1:00:23
